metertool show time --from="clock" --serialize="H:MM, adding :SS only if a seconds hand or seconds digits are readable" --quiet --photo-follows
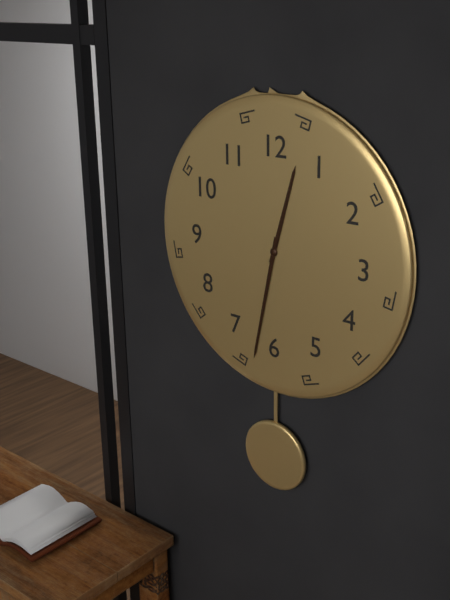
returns 12:32
